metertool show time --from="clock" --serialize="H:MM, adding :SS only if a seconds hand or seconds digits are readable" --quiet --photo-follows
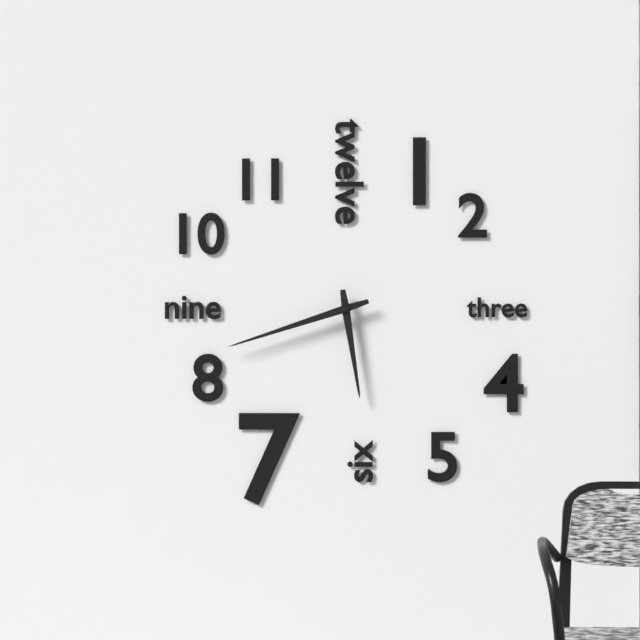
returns 5:42
